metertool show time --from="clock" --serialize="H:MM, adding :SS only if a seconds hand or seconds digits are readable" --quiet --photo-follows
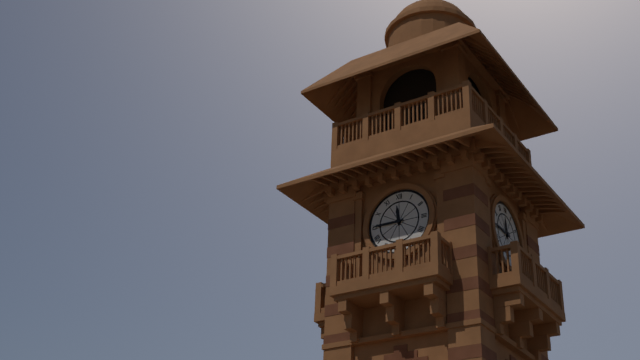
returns 11:45
